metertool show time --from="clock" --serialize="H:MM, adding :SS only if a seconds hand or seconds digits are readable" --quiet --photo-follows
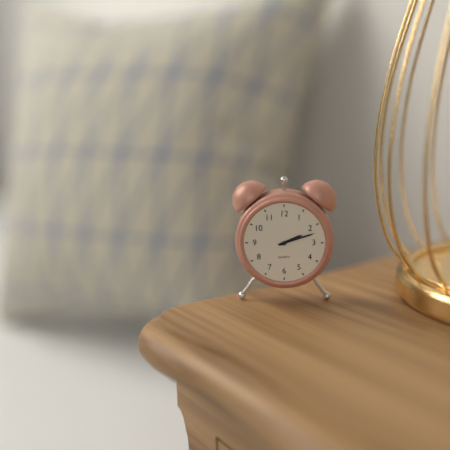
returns 2:12
